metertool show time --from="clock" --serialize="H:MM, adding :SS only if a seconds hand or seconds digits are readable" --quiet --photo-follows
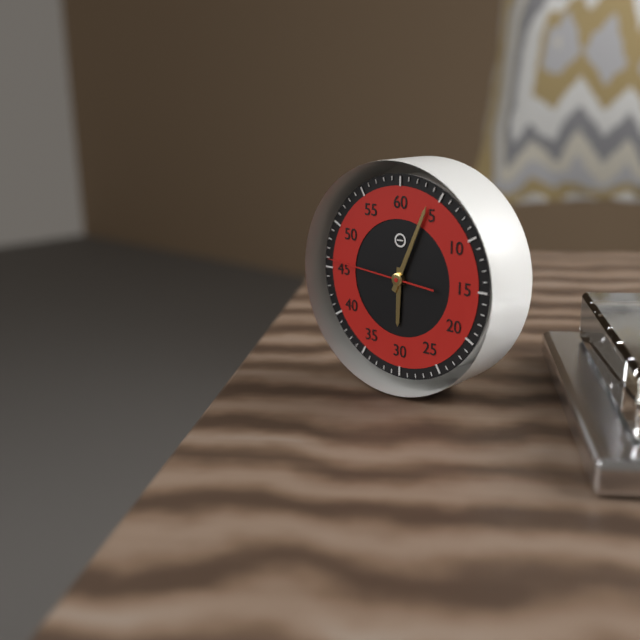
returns 6:04:46
